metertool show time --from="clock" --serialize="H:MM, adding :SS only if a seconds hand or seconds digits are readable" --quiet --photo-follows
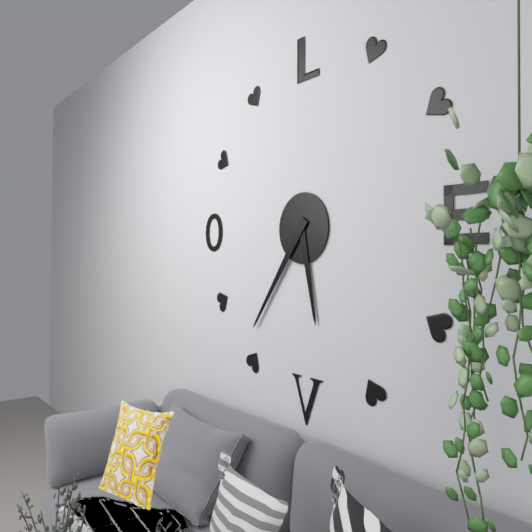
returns 5:36
